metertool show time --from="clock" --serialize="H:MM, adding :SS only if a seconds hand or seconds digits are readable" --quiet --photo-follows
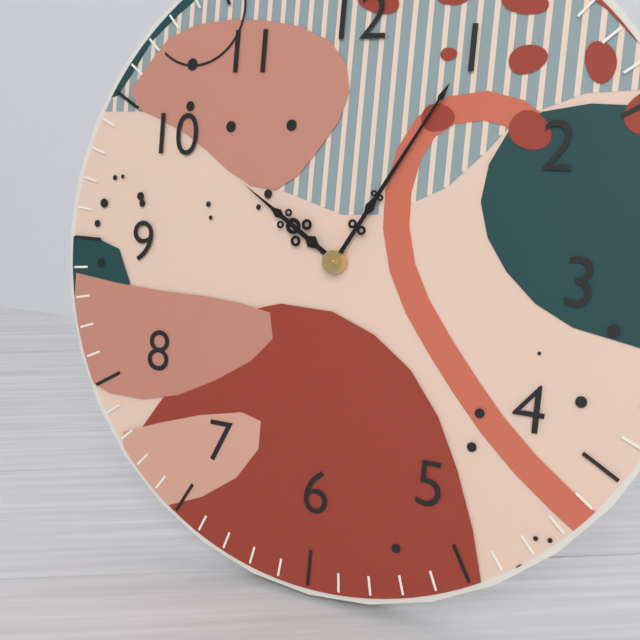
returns 10:05
